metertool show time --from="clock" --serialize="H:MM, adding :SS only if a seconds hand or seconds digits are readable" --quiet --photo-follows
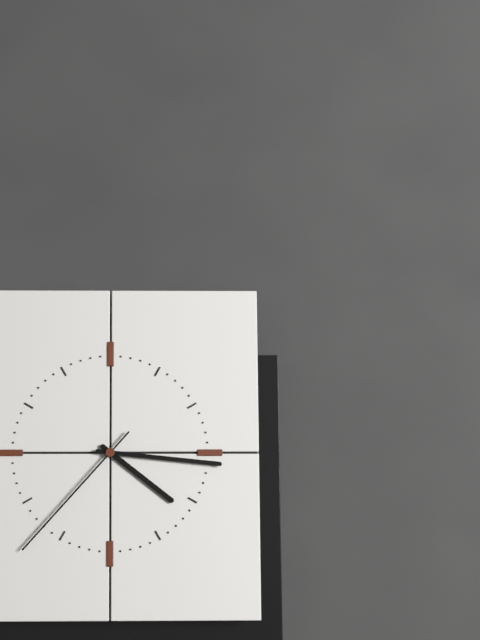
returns 4:16:37
